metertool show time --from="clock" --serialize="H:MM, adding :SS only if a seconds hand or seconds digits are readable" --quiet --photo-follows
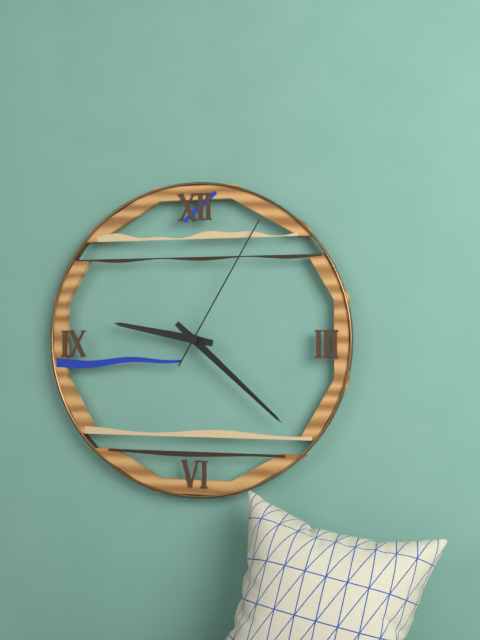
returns 9:22:05
